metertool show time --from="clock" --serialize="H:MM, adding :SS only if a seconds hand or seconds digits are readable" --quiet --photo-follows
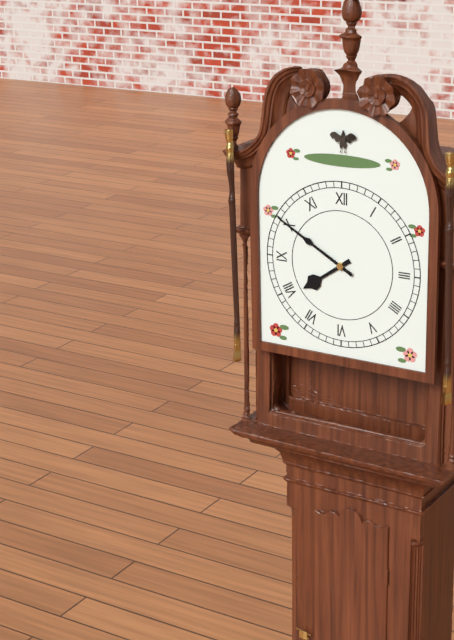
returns 7:50
